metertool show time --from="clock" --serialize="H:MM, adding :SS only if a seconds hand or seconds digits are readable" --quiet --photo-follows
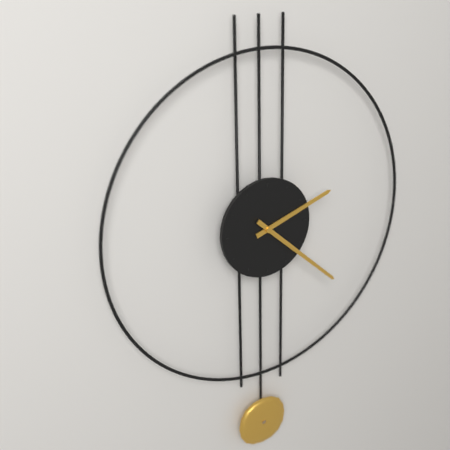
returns 2:22
